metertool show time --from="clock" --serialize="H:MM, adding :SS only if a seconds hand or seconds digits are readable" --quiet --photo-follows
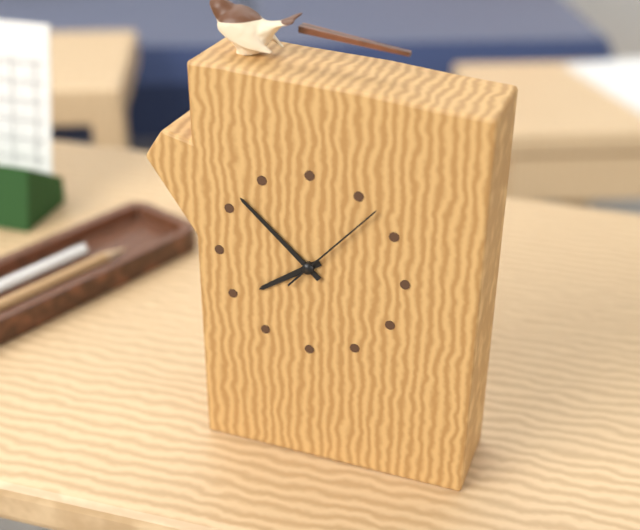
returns 7:52:07
